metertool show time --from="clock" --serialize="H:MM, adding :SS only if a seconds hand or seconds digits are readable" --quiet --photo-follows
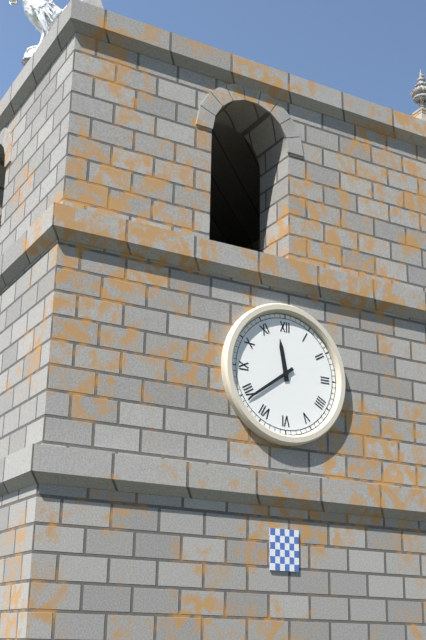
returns 11:39
